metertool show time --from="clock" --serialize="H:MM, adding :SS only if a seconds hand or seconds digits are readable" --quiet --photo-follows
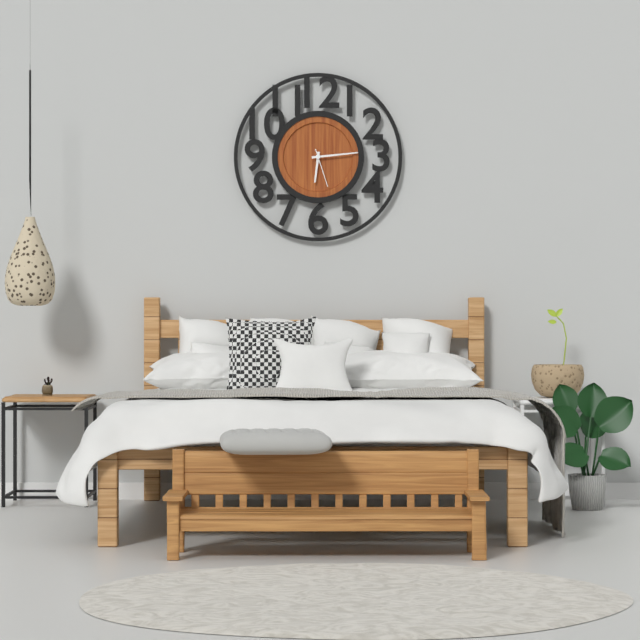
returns 6:14
